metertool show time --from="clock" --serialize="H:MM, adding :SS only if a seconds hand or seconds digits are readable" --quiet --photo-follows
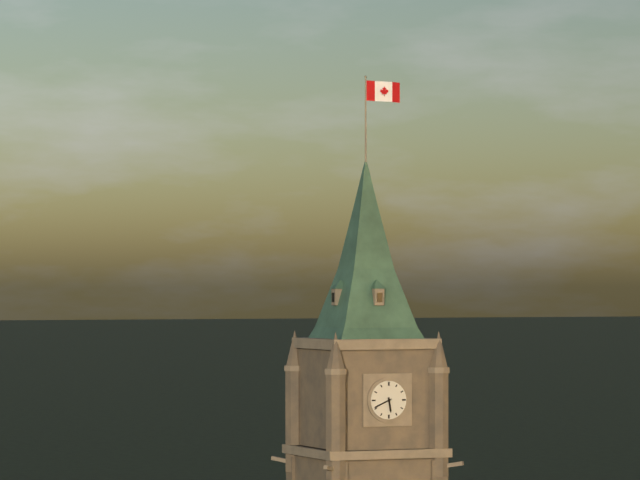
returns 5:41
